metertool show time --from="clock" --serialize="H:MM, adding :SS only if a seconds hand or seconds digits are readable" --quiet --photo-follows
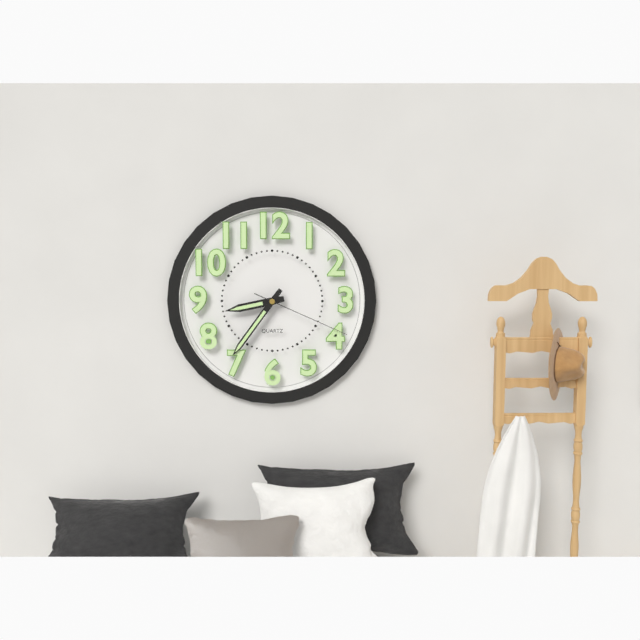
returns 8:36:19
